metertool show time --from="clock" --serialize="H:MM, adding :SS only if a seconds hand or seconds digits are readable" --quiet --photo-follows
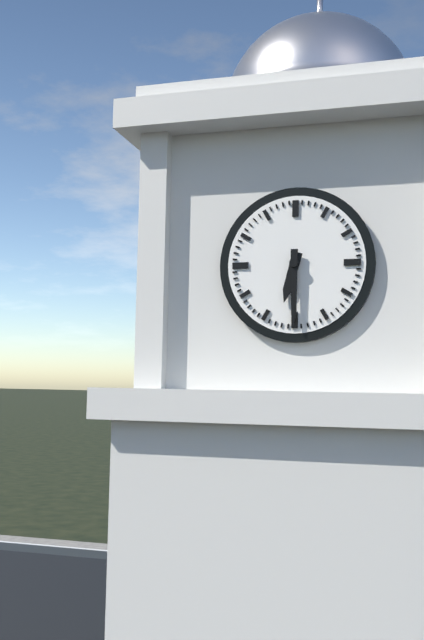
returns 6:30
